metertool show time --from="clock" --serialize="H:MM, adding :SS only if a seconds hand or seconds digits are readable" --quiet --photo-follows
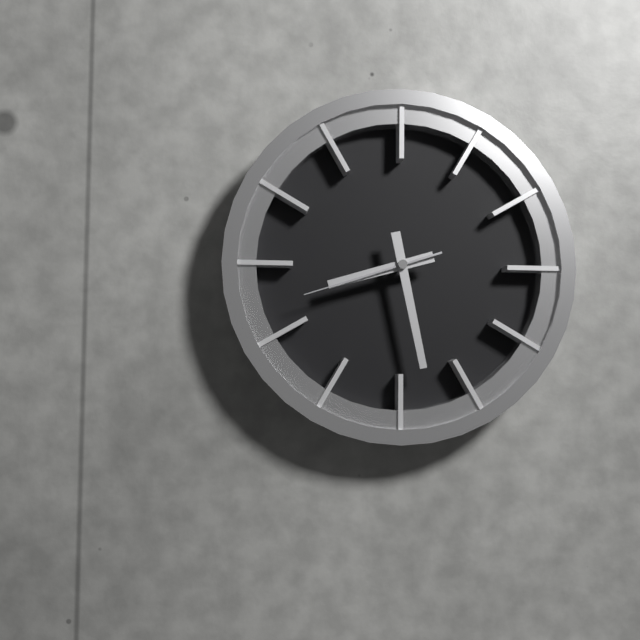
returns 8:28:42
